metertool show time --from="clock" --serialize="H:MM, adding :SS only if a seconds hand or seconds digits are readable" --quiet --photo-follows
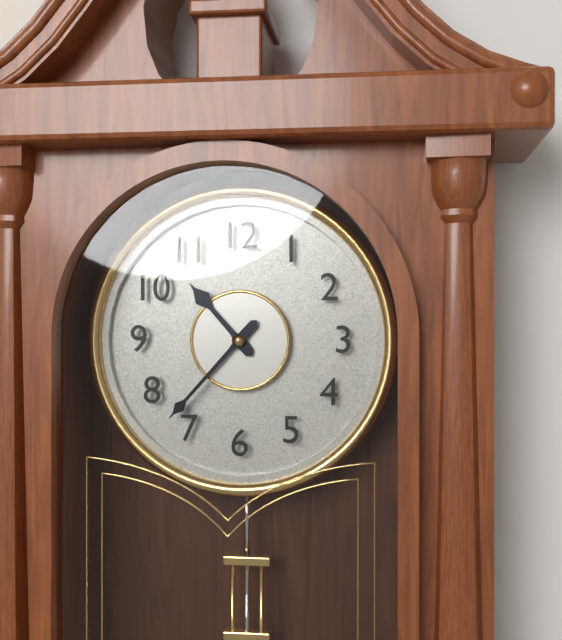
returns 10:37
